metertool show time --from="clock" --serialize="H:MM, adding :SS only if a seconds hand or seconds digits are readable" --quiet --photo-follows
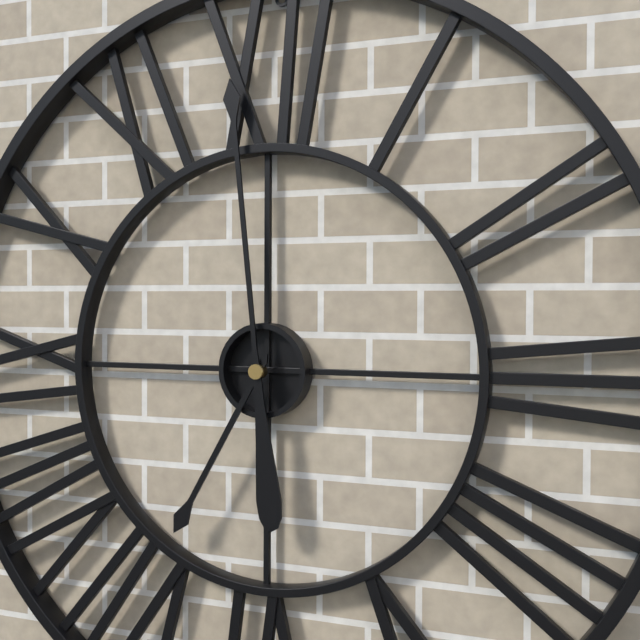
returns 6:59
